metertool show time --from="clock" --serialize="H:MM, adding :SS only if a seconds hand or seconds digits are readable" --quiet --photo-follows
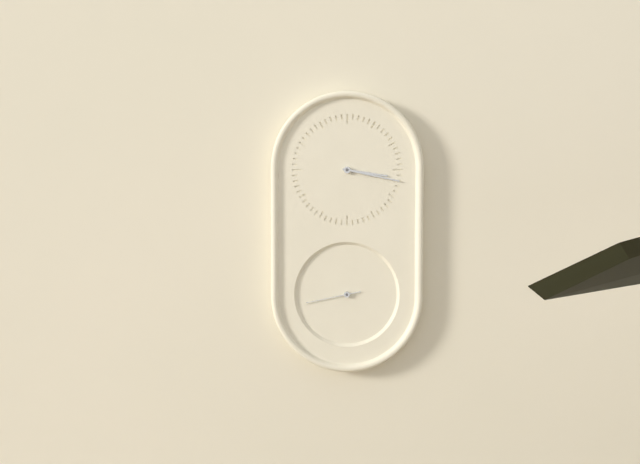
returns 3:17:43
